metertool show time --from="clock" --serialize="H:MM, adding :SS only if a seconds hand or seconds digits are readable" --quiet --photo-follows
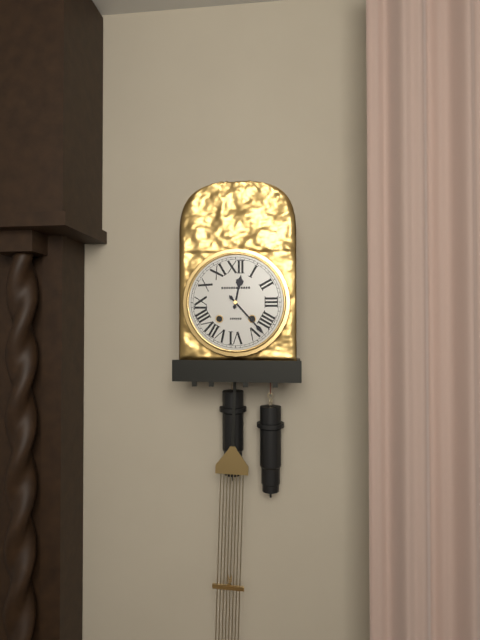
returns 12:23
